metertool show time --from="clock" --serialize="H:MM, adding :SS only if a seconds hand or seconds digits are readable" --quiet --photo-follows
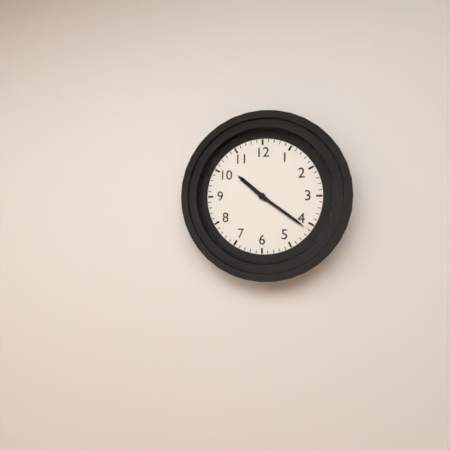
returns 10:21
